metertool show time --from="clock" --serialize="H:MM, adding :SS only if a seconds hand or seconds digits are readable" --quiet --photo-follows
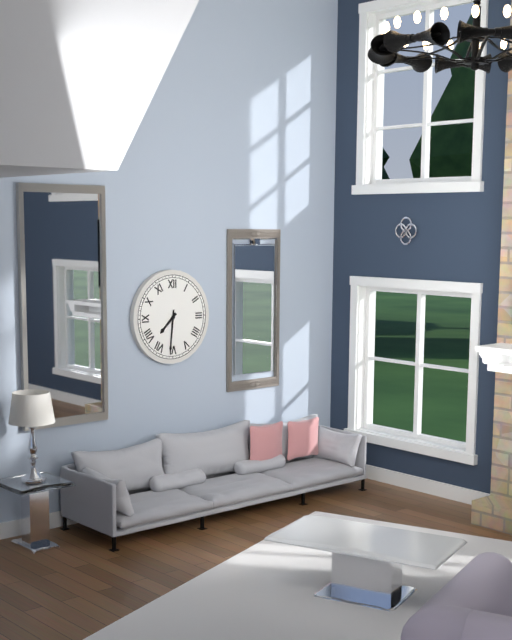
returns 7:31
